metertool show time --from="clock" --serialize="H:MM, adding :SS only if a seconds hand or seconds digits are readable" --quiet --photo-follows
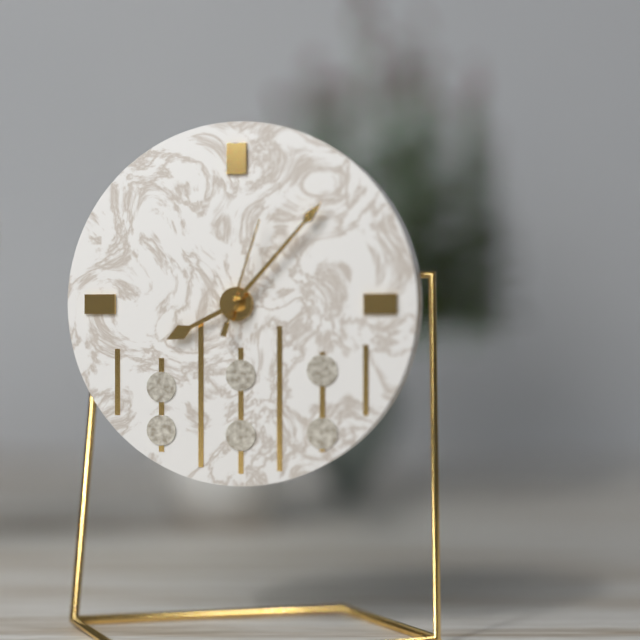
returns 8:07:03
